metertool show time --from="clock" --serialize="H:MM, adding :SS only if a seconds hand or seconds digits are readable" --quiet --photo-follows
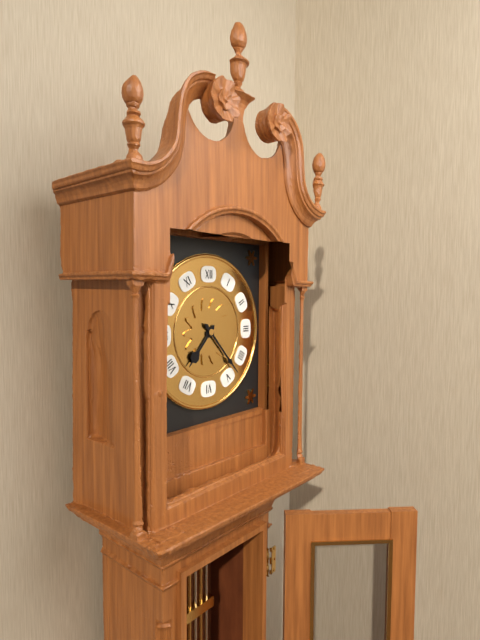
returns 7:23
